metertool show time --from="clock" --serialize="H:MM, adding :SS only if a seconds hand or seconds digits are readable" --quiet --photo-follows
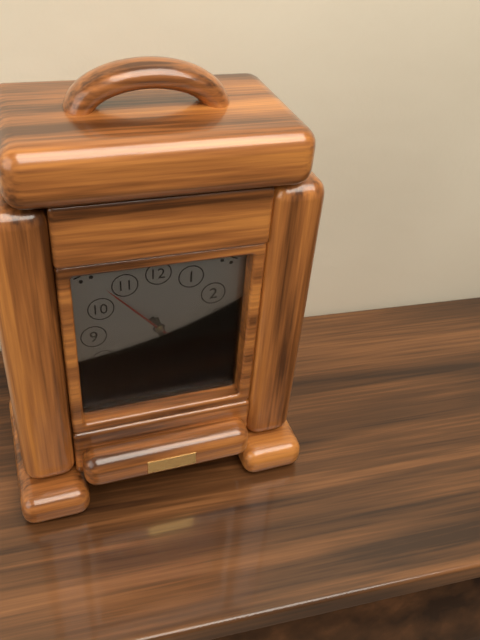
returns 5:25:53
